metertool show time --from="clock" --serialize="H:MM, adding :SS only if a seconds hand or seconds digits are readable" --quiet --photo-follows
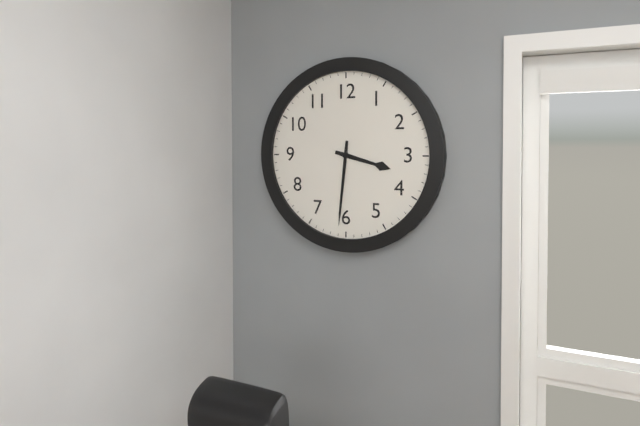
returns 3:31
